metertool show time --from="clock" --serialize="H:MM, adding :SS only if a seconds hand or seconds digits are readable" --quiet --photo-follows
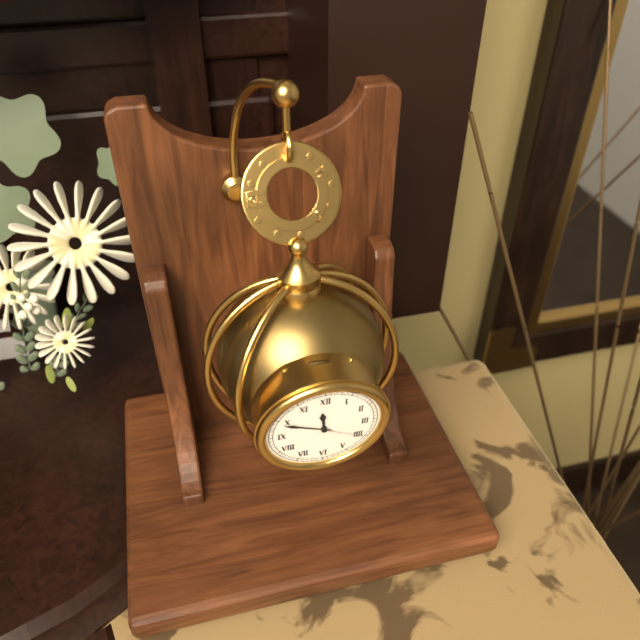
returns 11:49
